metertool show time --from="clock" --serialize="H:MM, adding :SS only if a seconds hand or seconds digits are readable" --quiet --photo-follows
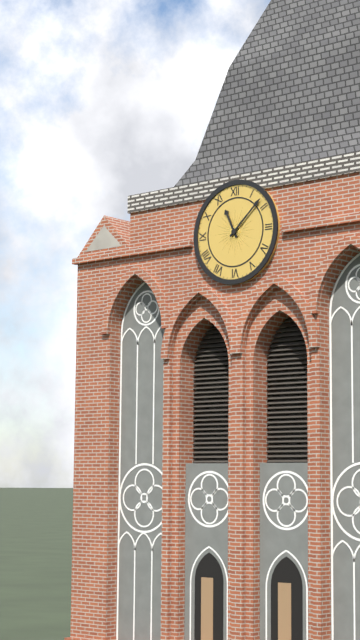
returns 11:08
